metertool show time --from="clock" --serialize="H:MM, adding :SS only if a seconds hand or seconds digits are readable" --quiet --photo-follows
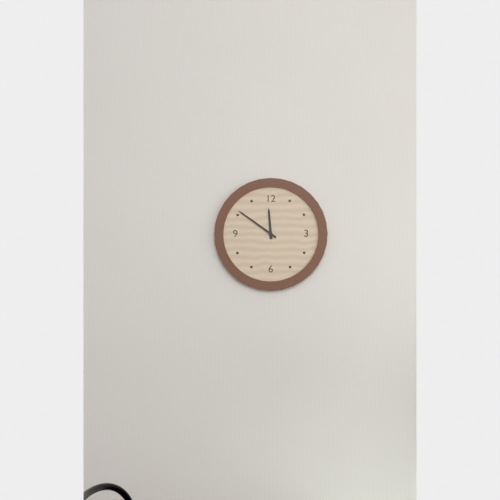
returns 11:51
